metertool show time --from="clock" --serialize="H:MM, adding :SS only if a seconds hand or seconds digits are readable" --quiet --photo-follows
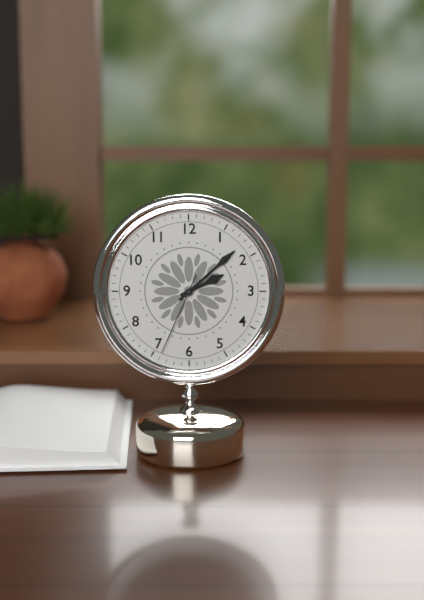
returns 2:08:34
